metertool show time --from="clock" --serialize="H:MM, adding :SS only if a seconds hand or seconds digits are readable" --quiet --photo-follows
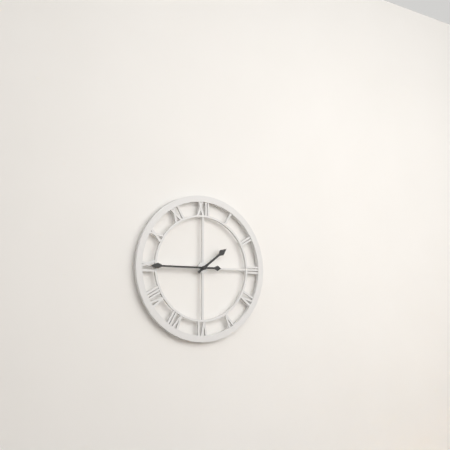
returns 1:45
